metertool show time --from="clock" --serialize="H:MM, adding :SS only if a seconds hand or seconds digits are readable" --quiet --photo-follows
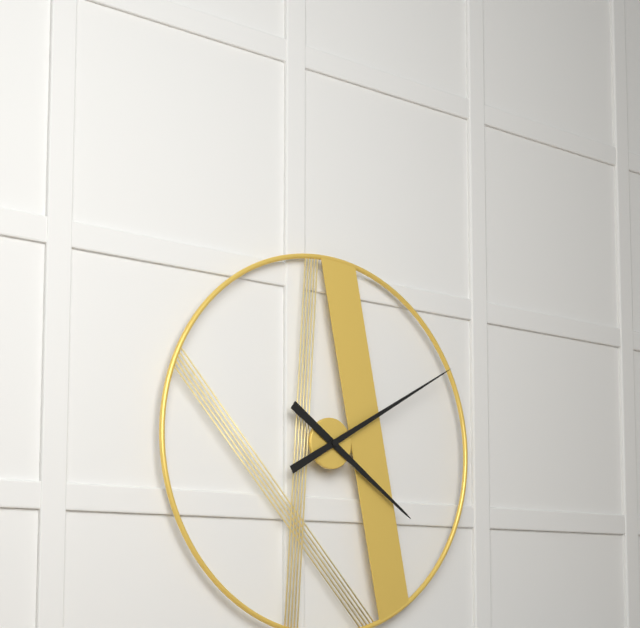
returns 4:10
